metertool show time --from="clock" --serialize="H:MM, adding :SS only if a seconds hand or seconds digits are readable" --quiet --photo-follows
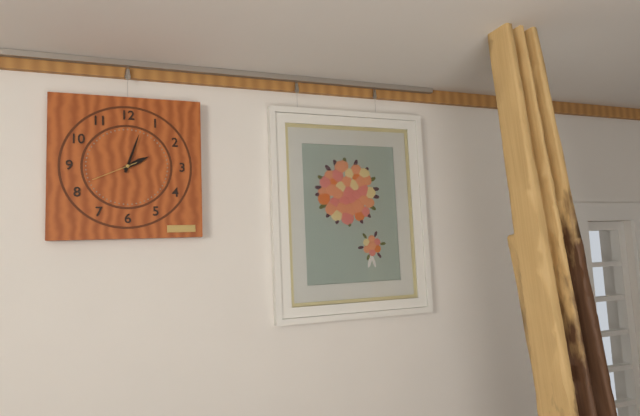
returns 2:03
